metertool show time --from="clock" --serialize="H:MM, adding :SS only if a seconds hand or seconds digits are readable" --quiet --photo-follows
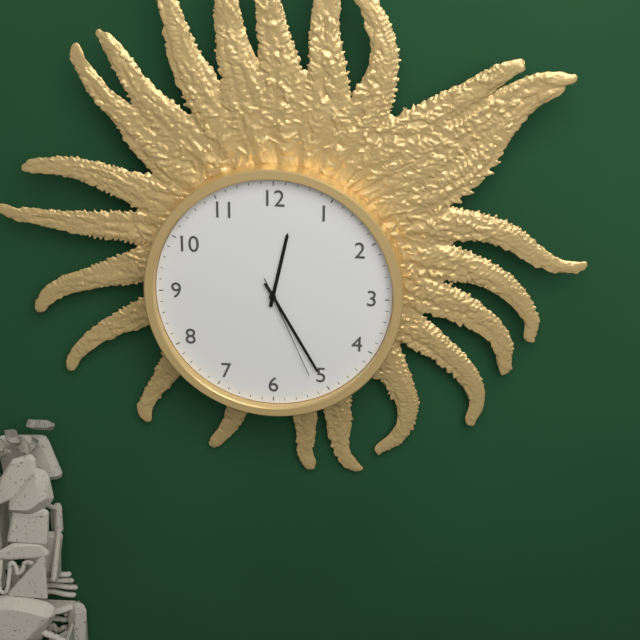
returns 12:25:26
